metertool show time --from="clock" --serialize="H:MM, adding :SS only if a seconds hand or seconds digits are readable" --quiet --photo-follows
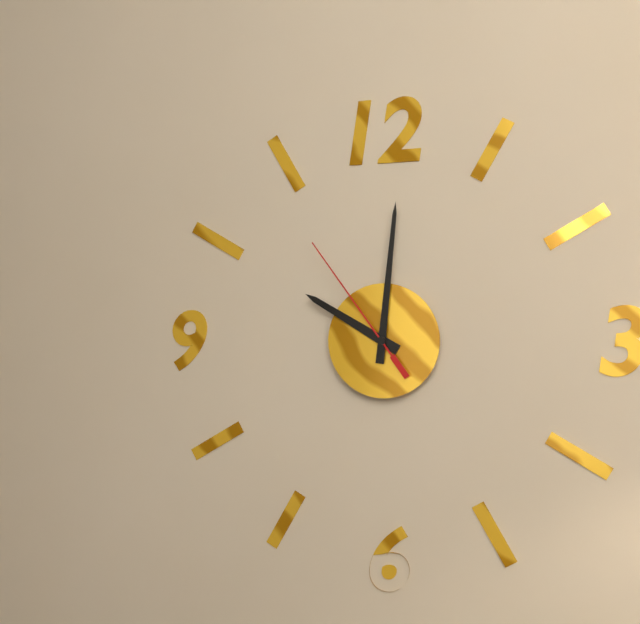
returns 10:01:54
